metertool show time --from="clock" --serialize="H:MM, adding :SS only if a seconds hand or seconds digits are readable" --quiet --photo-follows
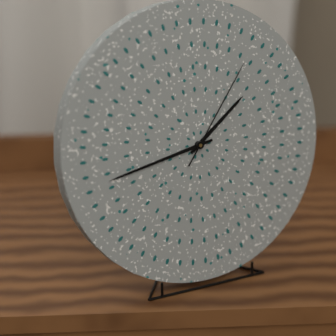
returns 1:43:06
